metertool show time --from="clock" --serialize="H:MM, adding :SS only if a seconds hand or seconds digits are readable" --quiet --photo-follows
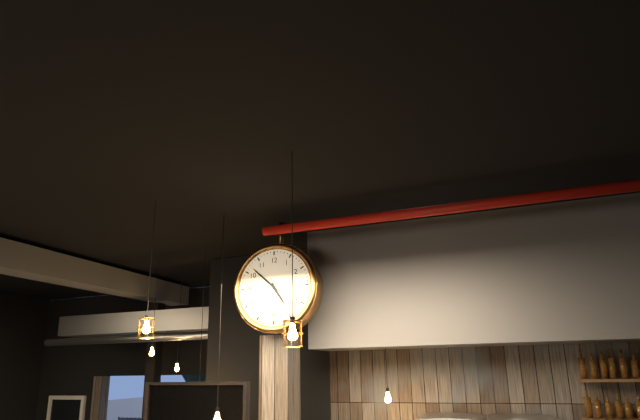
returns 4:52
